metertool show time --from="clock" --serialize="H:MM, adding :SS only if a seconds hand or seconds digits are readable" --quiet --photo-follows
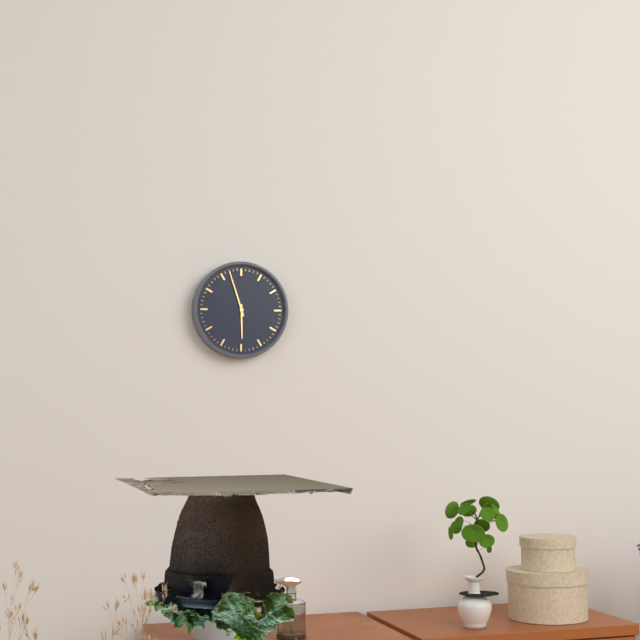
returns 5:57
